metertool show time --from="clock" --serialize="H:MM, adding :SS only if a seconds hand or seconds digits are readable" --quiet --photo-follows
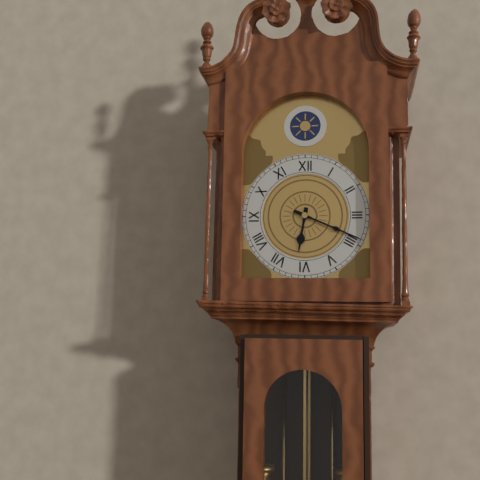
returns 6:19
